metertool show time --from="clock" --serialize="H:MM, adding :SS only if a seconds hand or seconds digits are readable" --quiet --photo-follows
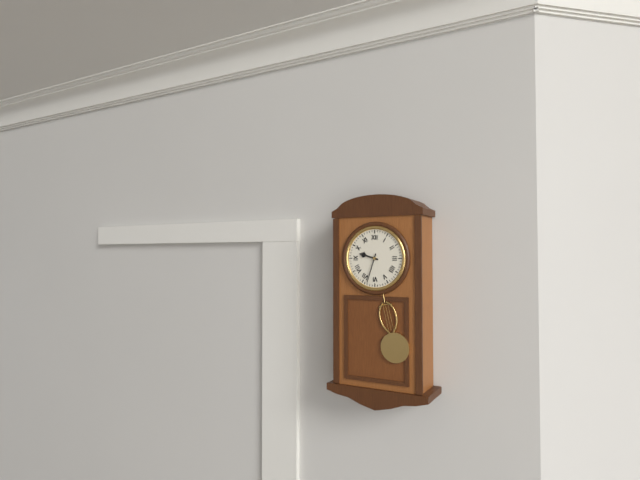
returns 9:33
